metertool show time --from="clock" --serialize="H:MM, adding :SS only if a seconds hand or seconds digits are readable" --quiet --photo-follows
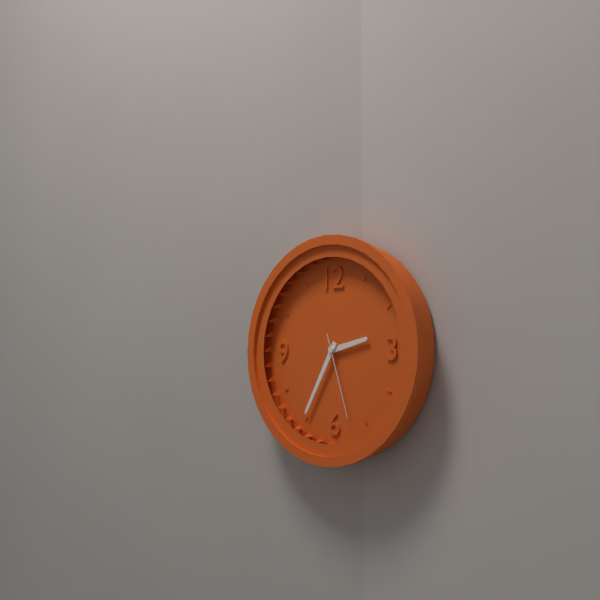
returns 2:35:27
